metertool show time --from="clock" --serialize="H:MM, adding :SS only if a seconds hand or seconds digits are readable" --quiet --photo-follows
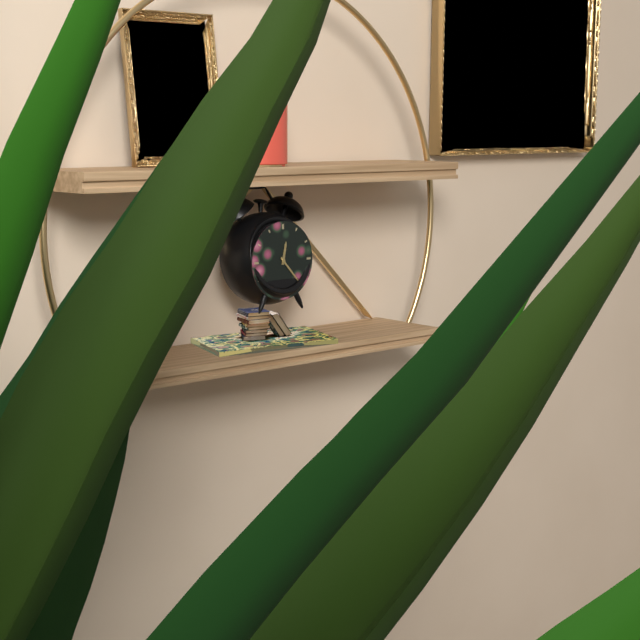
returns 12:23
